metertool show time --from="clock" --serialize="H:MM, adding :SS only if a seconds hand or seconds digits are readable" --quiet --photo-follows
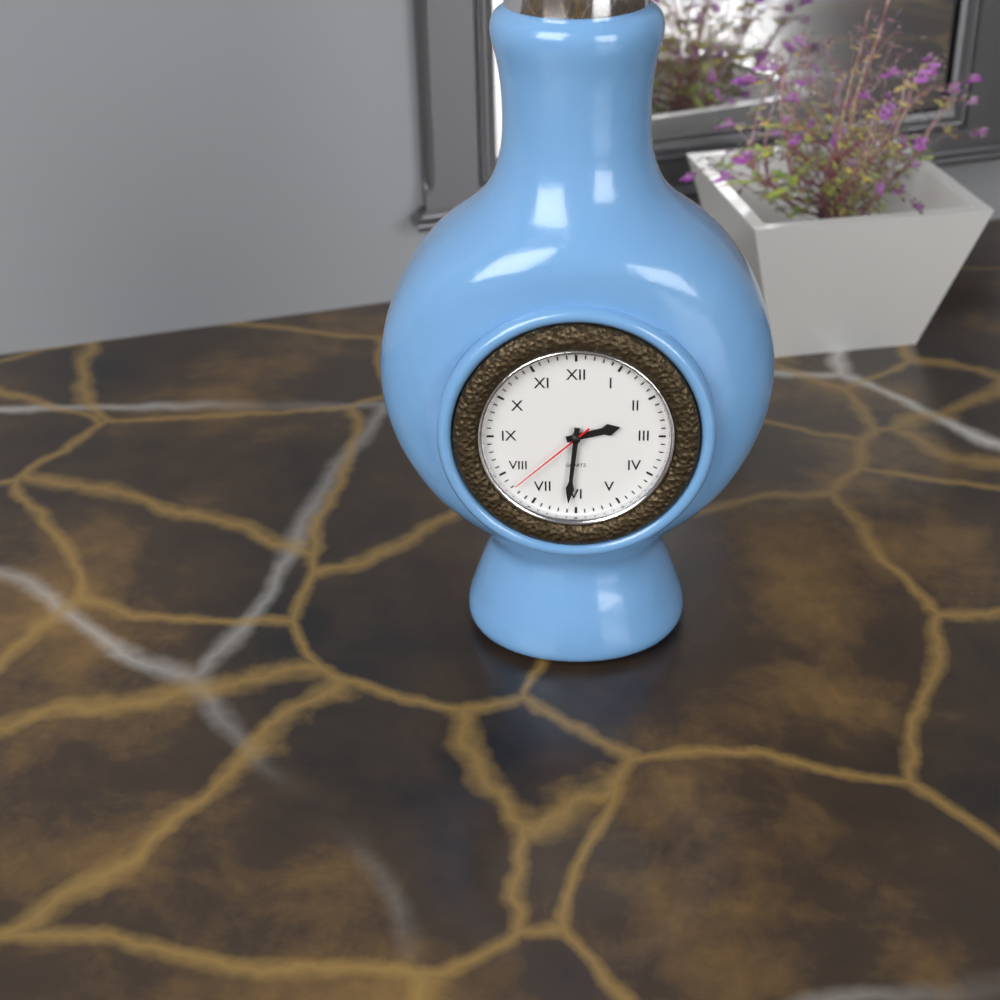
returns 2:31:38
